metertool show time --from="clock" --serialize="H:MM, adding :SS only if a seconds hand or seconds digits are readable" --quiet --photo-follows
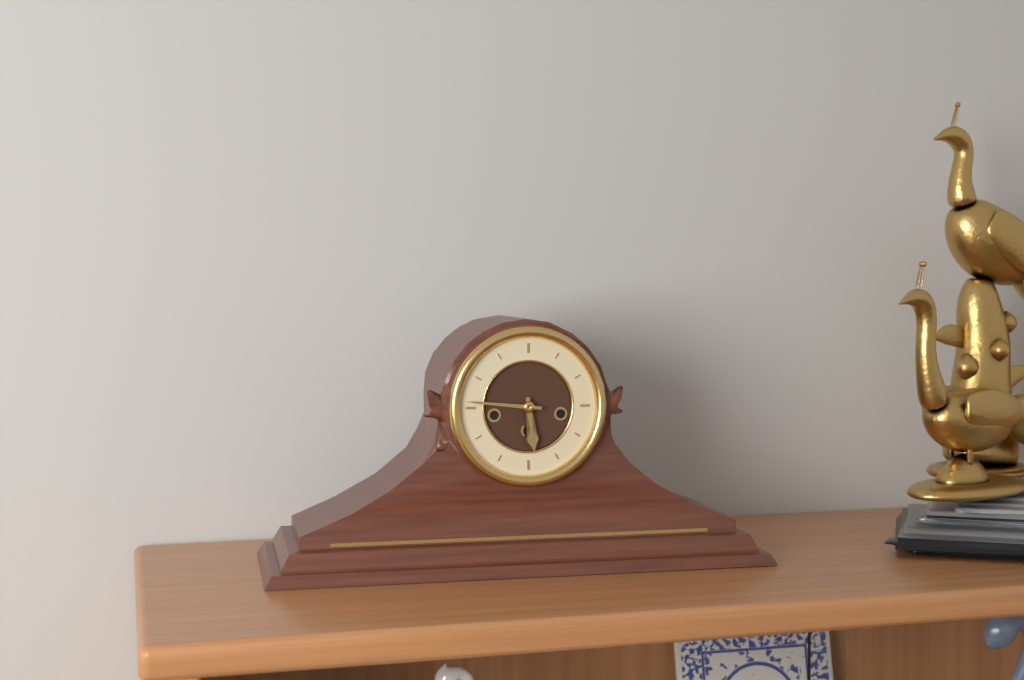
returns 5:46
